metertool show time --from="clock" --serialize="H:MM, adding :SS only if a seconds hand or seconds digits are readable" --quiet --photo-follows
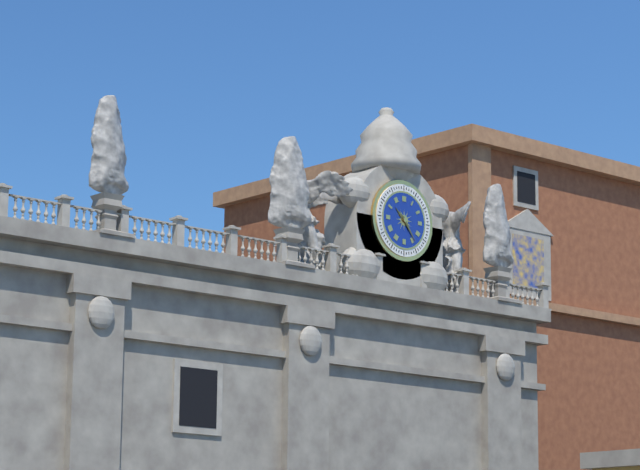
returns 10:24
